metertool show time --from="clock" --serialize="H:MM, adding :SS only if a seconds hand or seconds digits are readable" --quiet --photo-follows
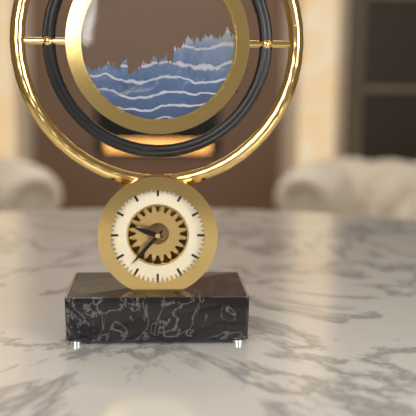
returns 9:37
